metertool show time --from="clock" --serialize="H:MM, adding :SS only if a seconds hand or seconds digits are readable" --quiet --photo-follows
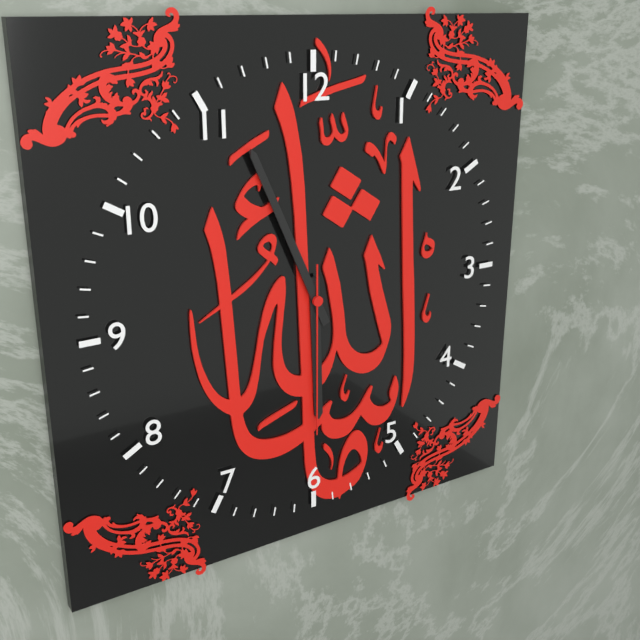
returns 5:56:30
